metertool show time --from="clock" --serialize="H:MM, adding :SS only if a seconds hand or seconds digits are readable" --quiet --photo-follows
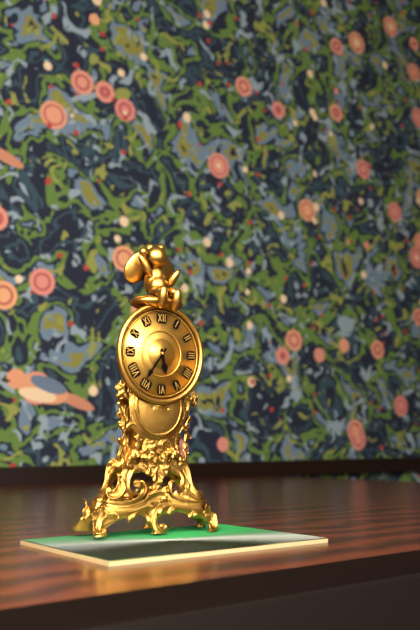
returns 5:36
